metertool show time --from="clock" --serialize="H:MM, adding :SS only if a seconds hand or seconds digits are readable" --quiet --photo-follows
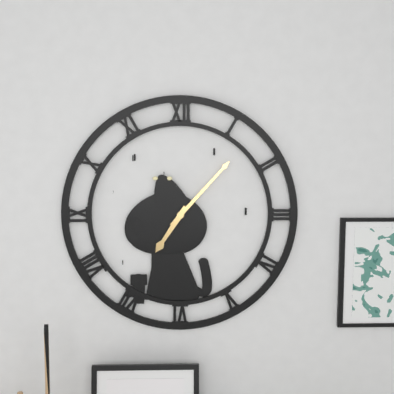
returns 7:07
